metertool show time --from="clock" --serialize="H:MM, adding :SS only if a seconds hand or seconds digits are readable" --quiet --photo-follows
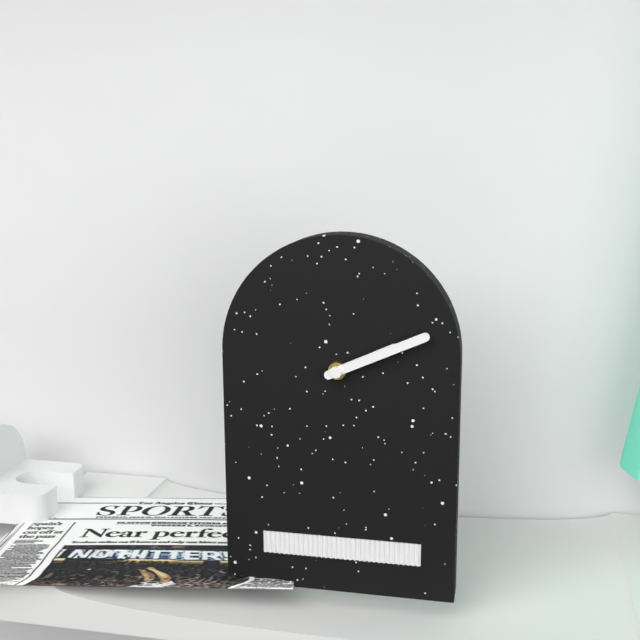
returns 2:11
